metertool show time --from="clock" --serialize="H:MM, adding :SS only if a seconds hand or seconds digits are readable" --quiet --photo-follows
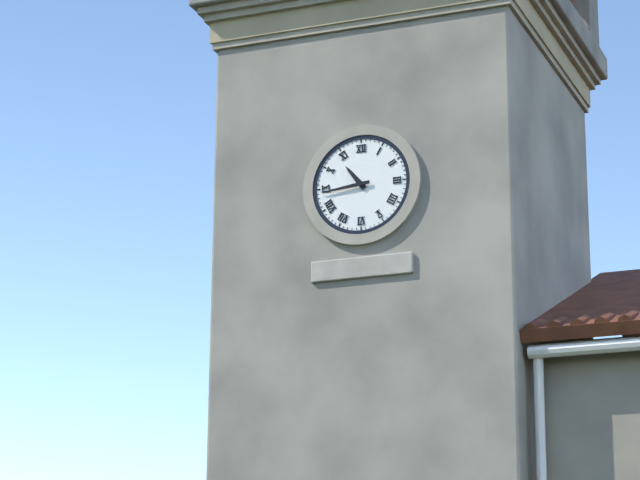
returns 10:44
